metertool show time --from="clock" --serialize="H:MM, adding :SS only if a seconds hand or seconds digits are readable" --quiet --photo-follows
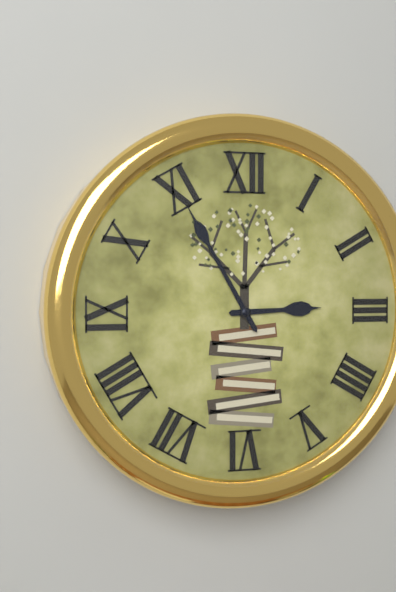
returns 2:55
